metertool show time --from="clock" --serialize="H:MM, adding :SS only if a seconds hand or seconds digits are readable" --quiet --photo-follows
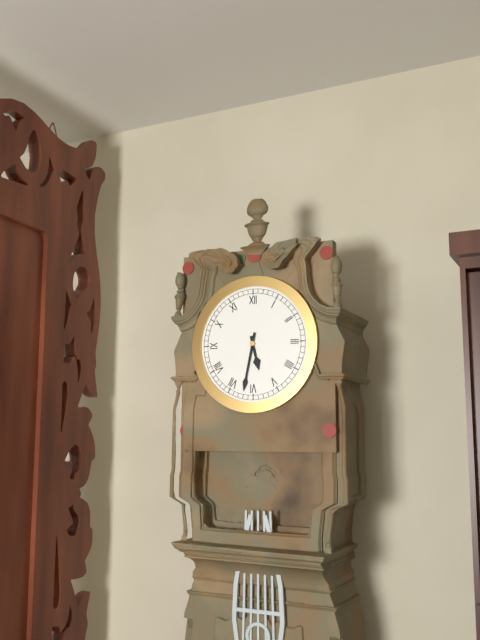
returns 5:32
